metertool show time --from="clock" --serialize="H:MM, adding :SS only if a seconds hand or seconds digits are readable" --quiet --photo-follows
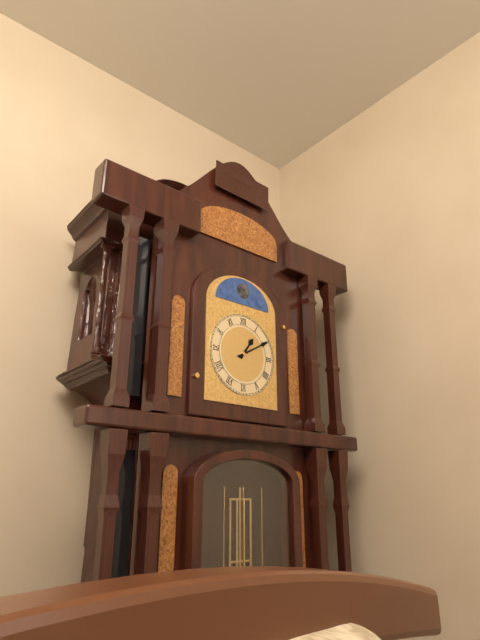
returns 1:10
